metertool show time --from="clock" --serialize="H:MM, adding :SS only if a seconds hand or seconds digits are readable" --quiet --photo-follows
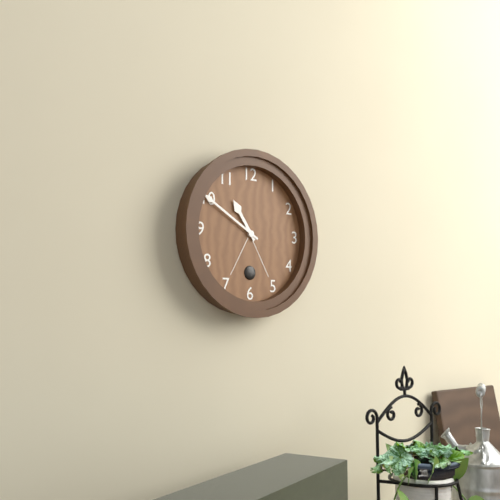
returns 10:50
